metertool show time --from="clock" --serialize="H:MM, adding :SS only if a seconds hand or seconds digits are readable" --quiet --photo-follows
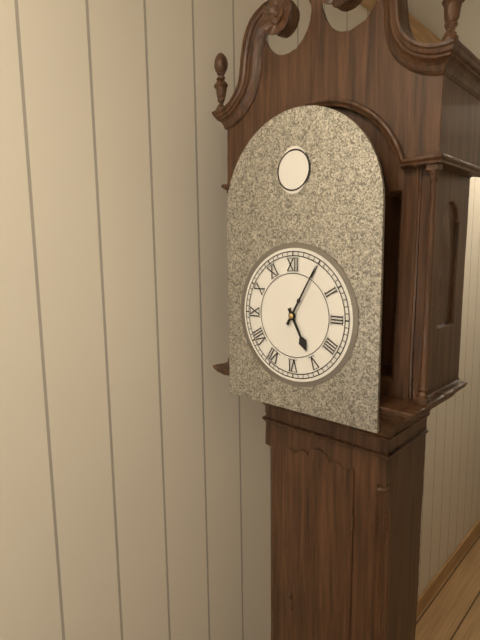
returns 5:05
